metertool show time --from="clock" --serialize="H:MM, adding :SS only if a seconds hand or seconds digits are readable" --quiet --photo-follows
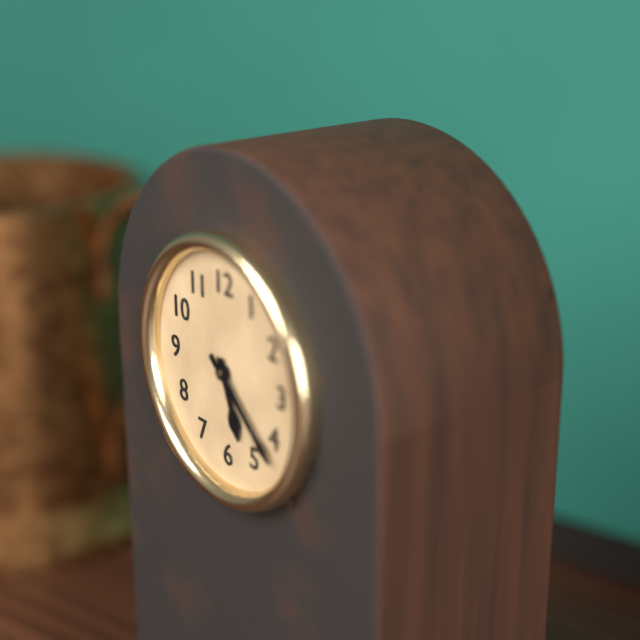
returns 5:22
